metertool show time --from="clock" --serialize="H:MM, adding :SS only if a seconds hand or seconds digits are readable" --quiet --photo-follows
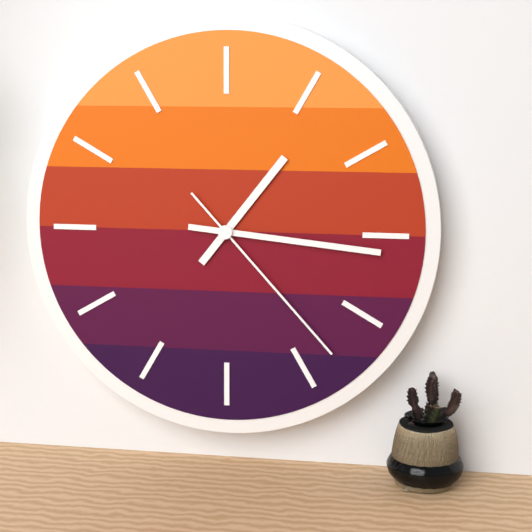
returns 1:16:23
